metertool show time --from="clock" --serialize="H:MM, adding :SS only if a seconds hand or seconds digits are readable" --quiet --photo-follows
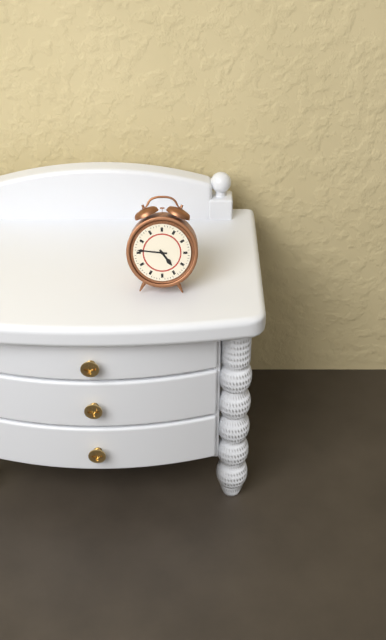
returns 4:46
